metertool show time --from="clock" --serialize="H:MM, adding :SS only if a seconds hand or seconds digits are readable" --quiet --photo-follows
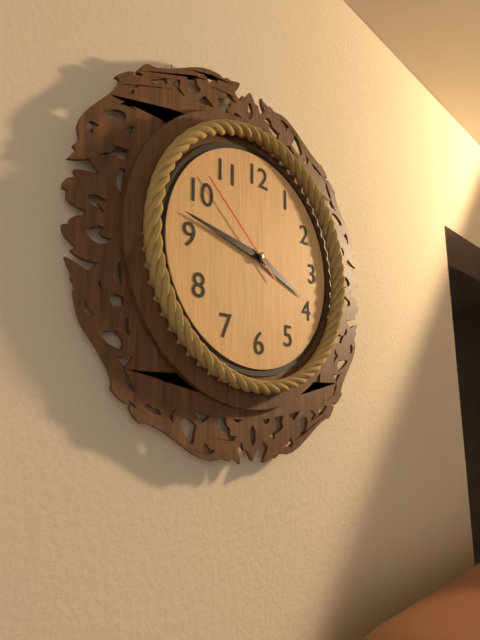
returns 3:47:52
